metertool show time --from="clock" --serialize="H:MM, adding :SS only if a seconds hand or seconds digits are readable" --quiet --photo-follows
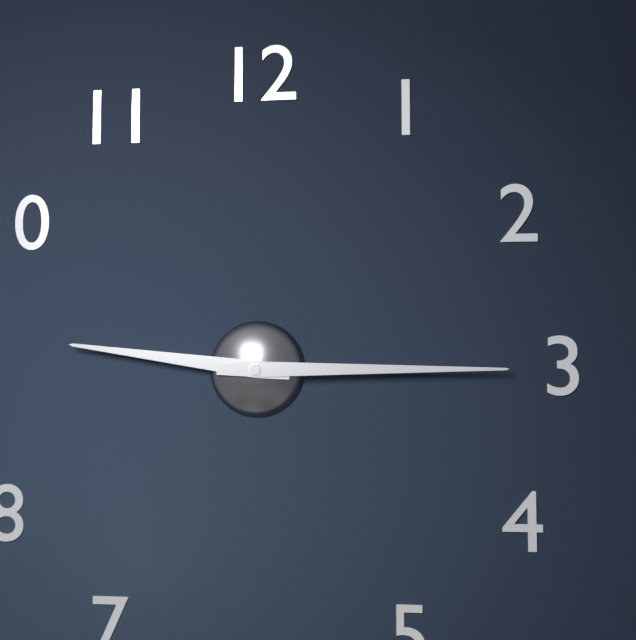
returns 9:15
